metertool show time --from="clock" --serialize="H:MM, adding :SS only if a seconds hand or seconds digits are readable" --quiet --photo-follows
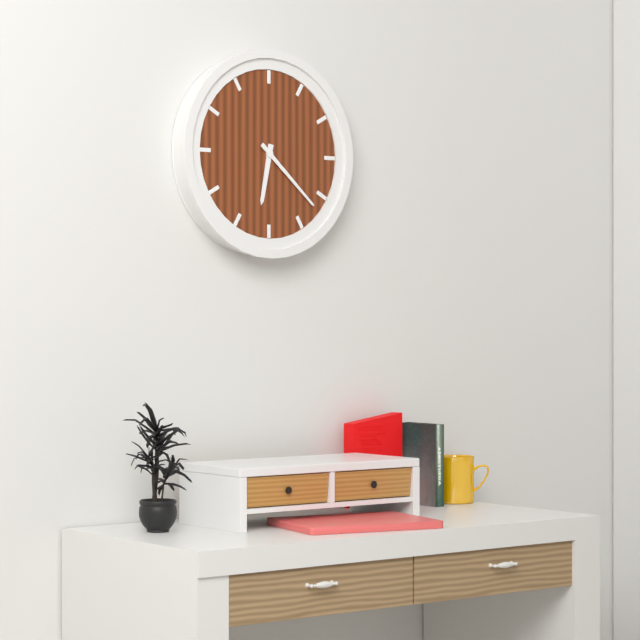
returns 6:22
